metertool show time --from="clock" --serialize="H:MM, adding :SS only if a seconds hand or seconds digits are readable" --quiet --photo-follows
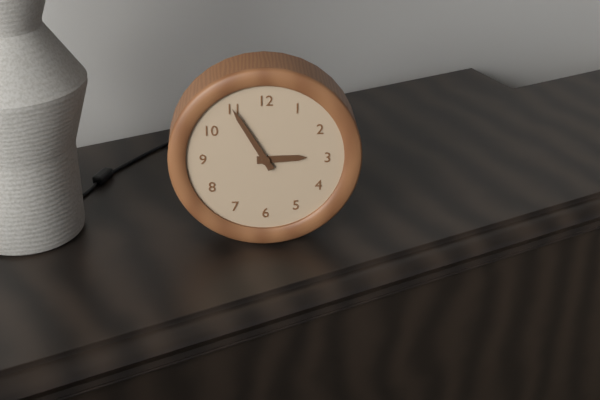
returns 2:55
